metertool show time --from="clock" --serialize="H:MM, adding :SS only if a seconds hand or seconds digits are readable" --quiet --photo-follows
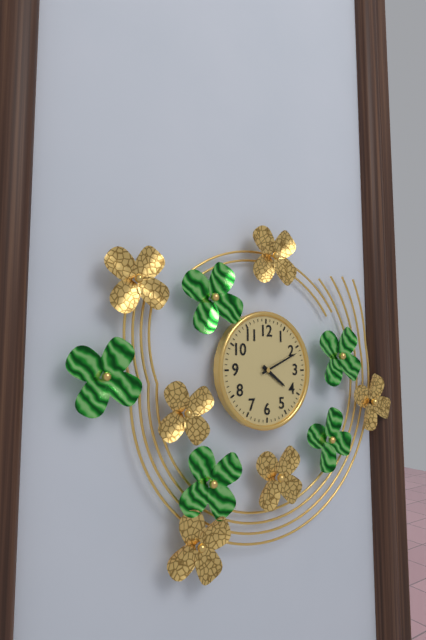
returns 4:11
